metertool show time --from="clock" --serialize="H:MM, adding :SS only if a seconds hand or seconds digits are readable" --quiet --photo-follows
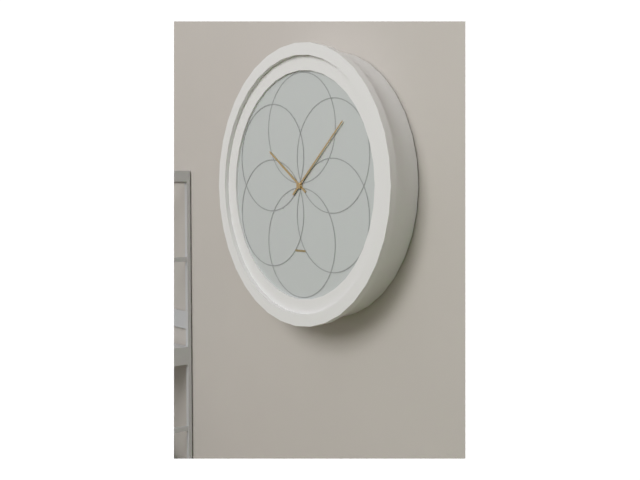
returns 10:08
